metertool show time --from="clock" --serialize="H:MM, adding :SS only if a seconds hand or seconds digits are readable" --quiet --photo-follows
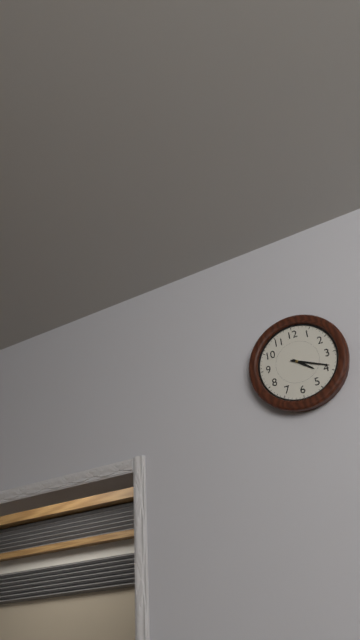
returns 4:19
